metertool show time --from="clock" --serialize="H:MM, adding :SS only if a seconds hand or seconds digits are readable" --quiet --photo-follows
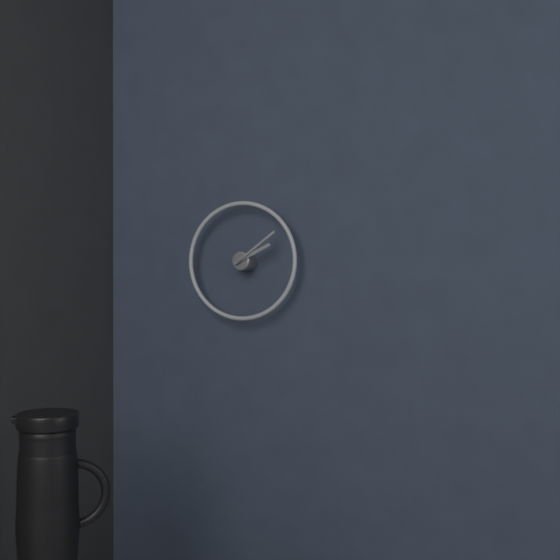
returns 2:09
